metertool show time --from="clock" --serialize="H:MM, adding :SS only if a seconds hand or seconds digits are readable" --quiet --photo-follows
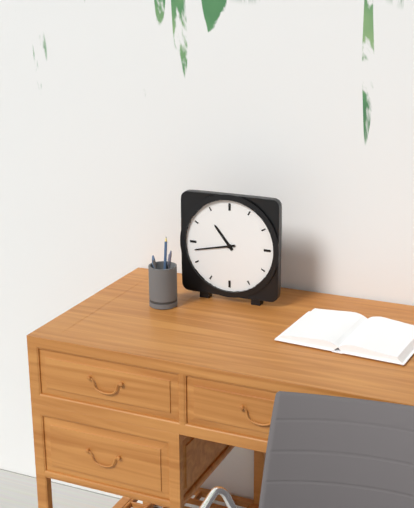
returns 10:43
